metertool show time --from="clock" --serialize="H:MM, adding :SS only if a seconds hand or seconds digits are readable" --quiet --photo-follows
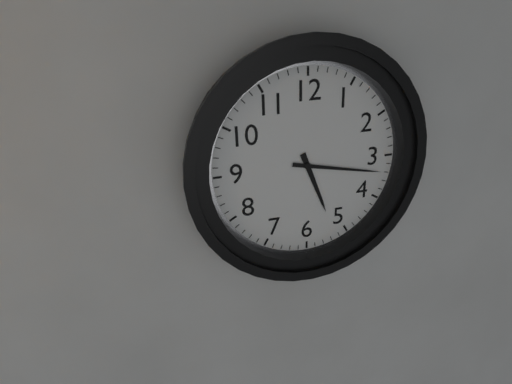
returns 5:17
